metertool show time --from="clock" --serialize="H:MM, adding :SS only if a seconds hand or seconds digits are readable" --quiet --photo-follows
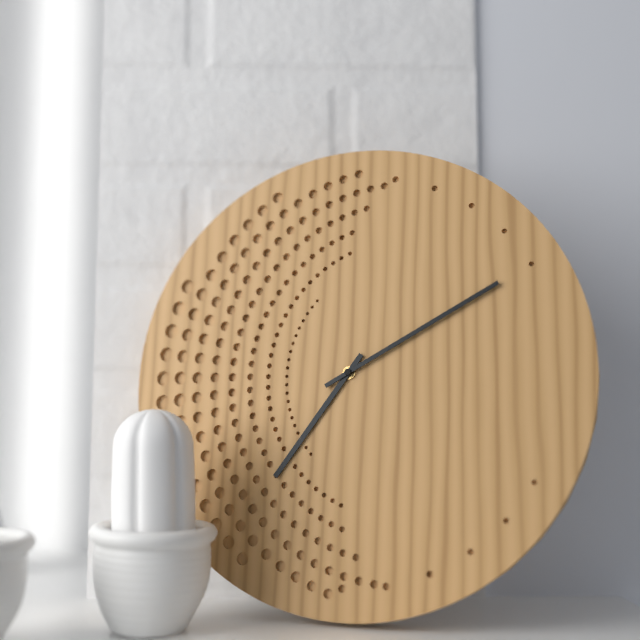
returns 7:10
